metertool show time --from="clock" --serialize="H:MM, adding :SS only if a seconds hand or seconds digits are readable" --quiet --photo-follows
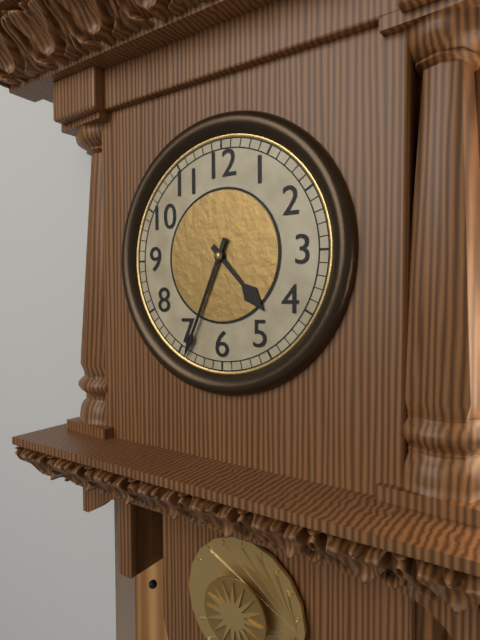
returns 4:34
